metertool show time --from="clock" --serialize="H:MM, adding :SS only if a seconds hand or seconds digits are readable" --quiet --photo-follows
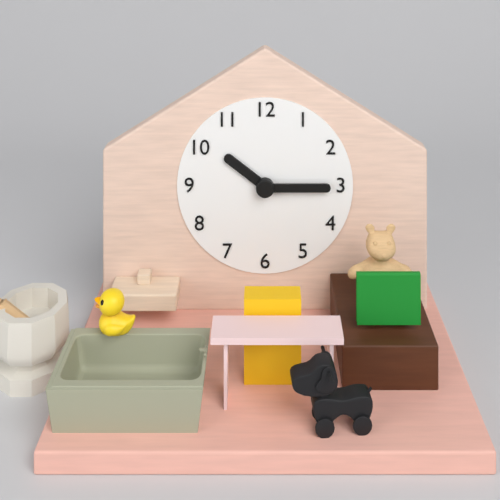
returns 10:15
